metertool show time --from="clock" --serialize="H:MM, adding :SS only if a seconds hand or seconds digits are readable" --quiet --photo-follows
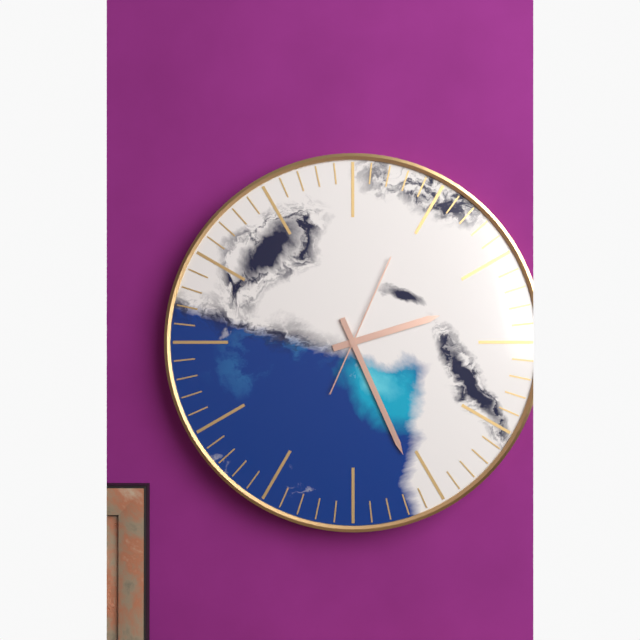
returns 2:26:04
